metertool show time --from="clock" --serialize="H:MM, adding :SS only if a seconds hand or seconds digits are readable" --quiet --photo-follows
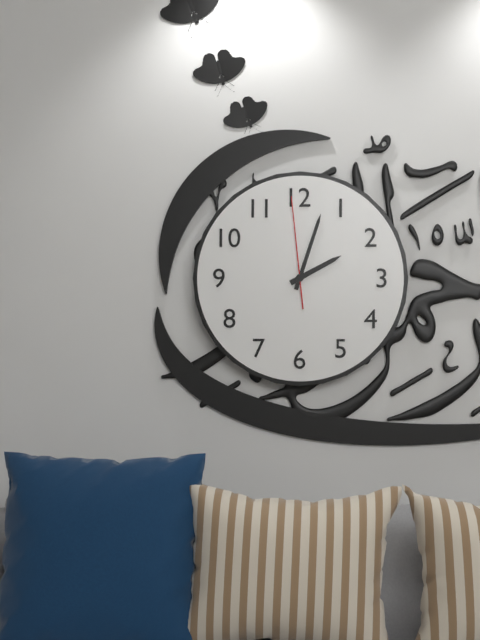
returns 2:03:59
